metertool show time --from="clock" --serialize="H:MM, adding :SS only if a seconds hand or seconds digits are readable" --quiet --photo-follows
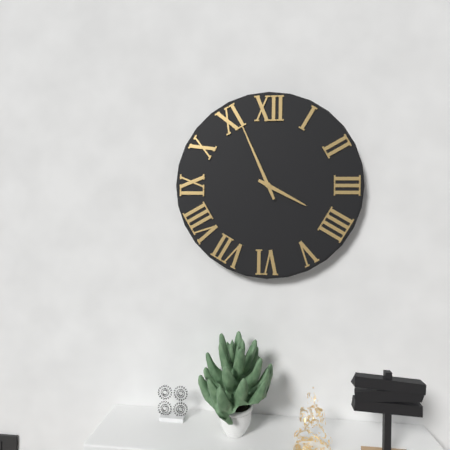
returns 3:56
